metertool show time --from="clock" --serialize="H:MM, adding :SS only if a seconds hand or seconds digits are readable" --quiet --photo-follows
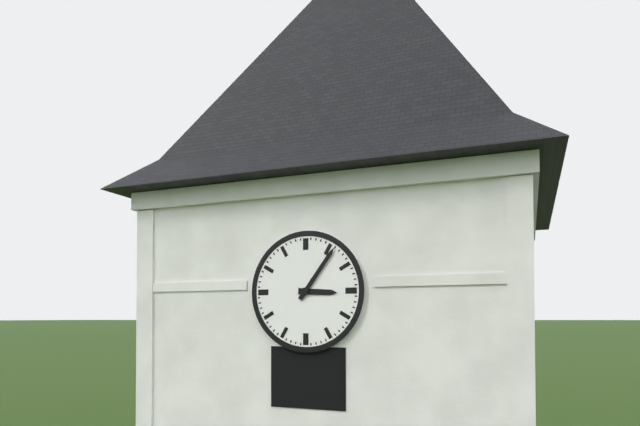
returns 3:06
